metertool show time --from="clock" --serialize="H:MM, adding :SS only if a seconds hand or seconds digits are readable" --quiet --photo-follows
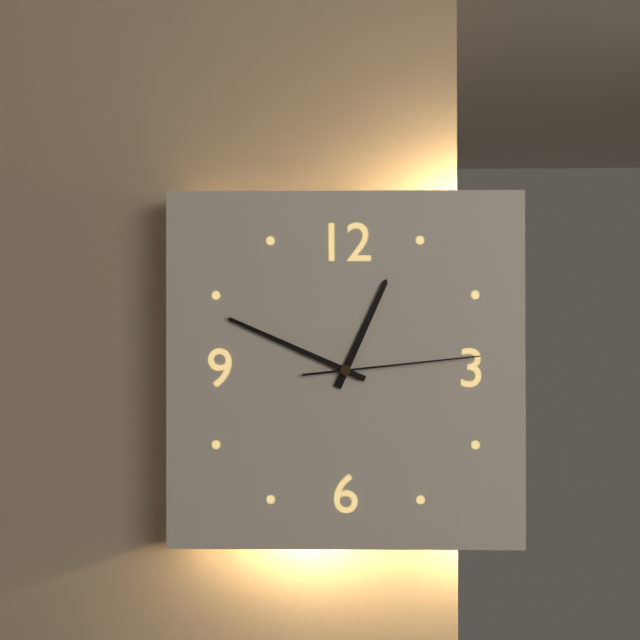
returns 12:49:14
